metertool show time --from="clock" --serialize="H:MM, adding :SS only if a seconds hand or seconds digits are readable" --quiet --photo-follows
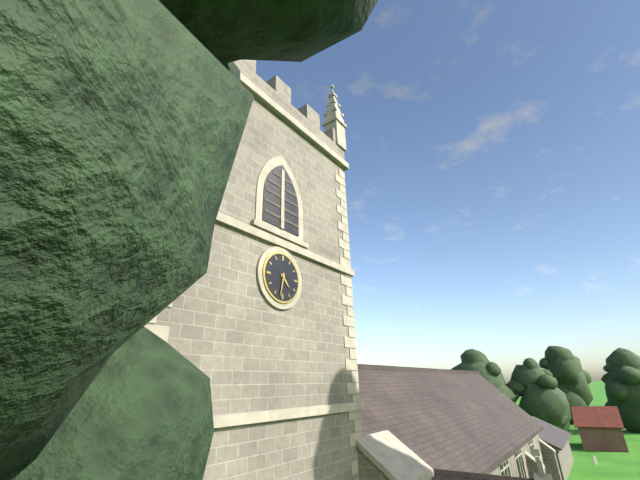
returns 4:32
